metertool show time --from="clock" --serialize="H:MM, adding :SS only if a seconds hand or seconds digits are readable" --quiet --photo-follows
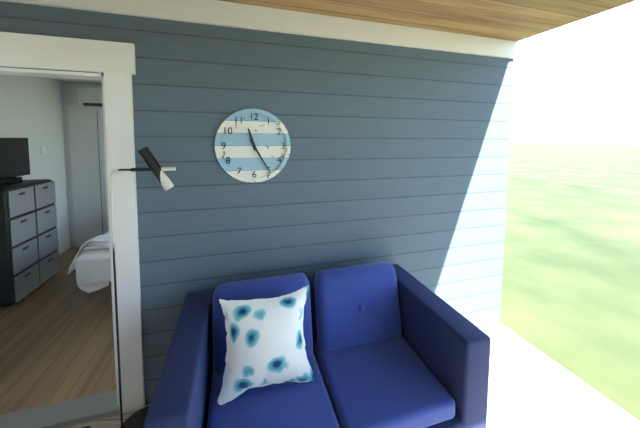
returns 11:25
